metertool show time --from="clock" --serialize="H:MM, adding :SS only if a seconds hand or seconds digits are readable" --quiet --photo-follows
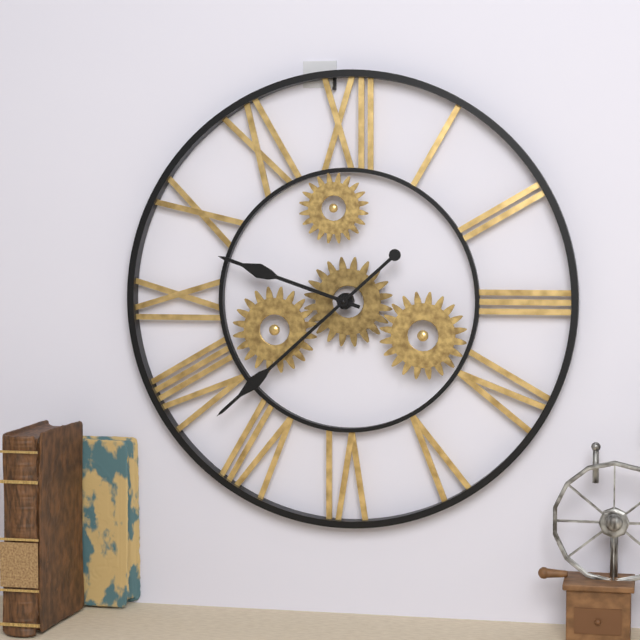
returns 9:38
